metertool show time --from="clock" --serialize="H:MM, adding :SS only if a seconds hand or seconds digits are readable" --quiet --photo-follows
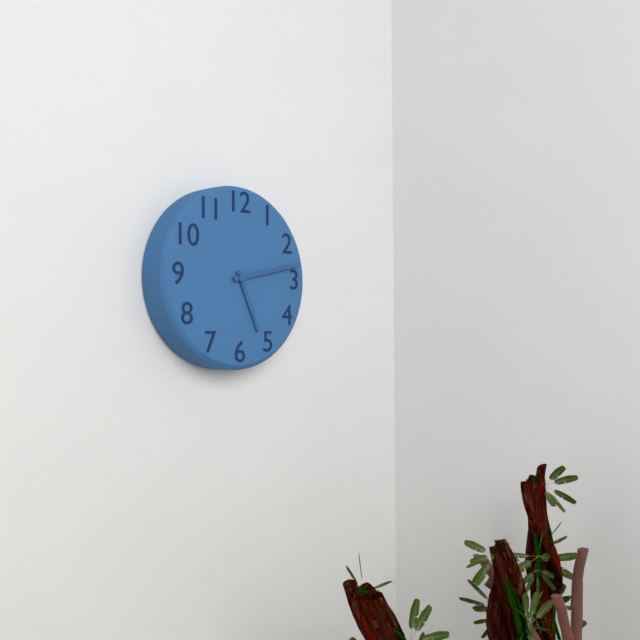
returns 5:13
